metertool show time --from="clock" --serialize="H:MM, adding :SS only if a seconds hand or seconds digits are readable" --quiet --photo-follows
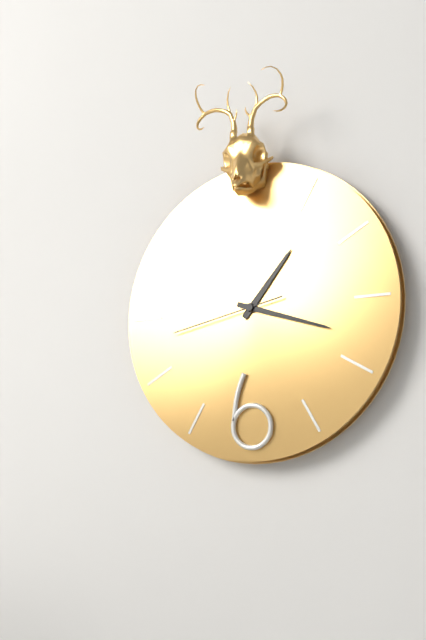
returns 1:18:43
